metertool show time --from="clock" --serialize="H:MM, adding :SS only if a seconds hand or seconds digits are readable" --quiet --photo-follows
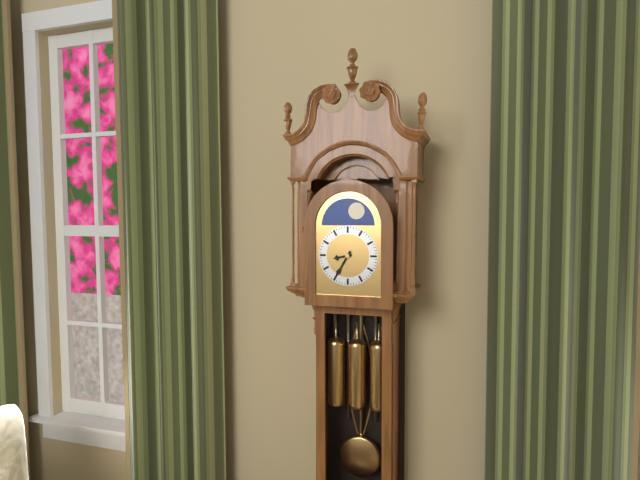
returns 8:35
